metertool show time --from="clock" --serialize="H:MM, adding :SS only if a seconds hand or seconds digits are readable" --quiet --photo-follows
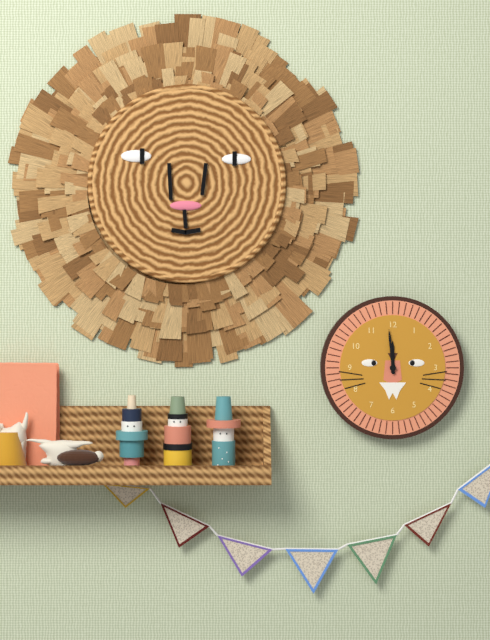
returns 11:59
